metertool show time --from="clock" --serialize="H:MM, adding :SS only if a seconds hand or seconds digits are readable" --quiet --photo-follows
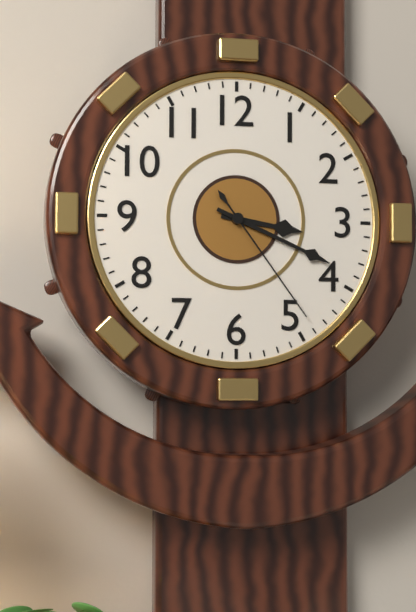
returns 3:19:24
